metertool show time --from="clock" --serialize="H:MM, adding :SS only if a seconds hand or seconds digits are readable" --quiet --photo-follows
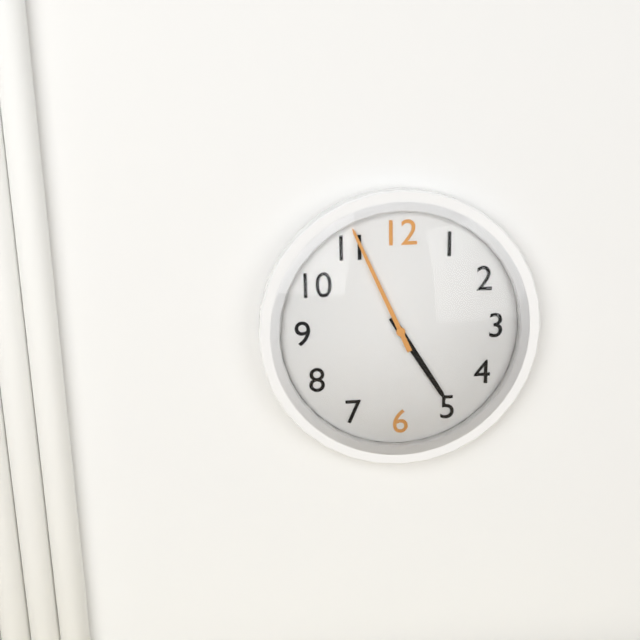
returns 4:56
